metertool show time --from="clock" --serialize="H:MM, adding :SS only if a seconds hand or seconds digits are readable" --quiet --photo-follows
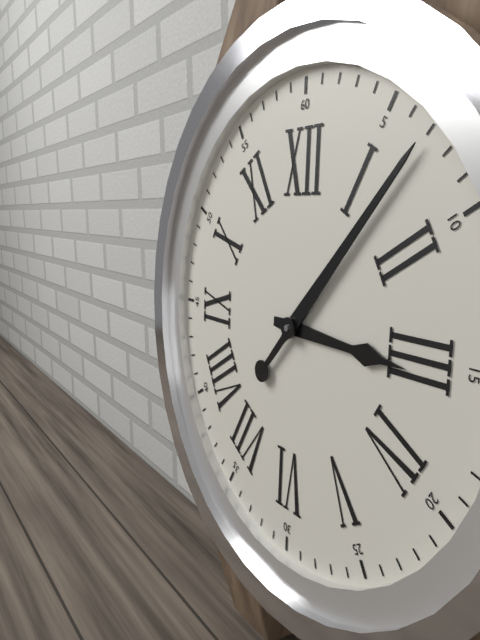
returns 3:07
